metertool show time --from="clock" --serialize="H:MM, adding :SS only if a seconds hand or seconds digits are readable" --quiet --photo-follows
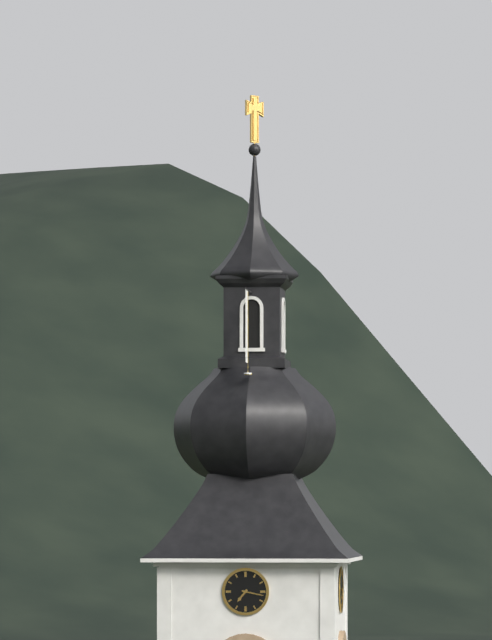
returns 7:17
